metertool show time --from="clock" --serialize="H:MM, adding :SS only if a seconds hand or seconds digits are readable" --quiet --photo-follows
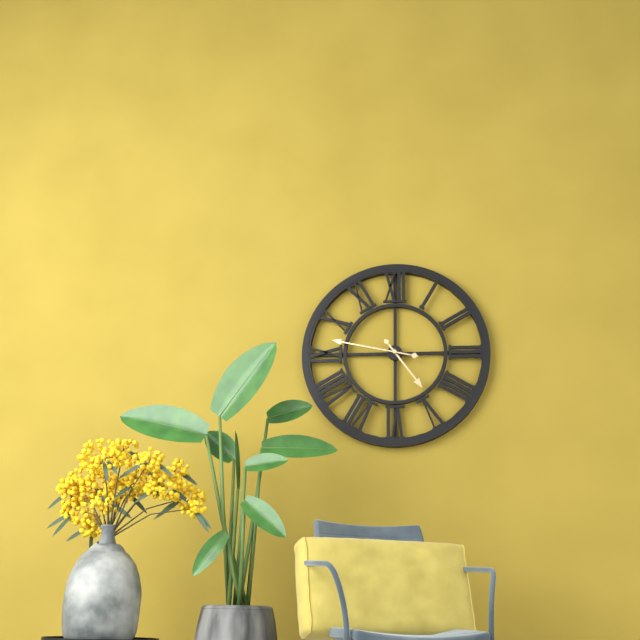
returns 4:47
